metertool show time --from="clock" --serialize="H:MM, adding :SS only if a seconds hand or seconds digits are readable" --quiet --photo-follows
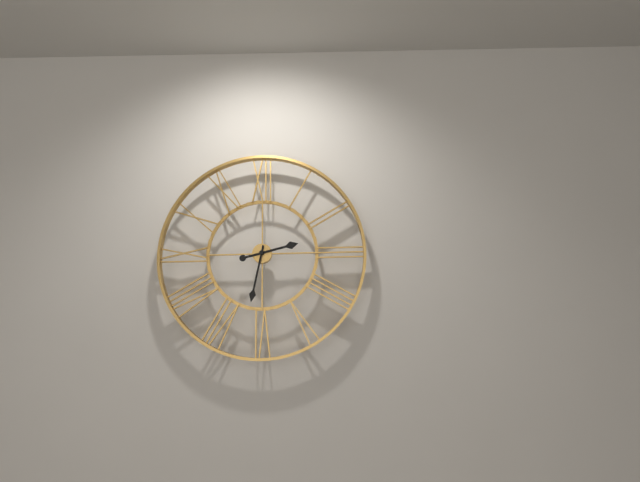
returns 2:32
